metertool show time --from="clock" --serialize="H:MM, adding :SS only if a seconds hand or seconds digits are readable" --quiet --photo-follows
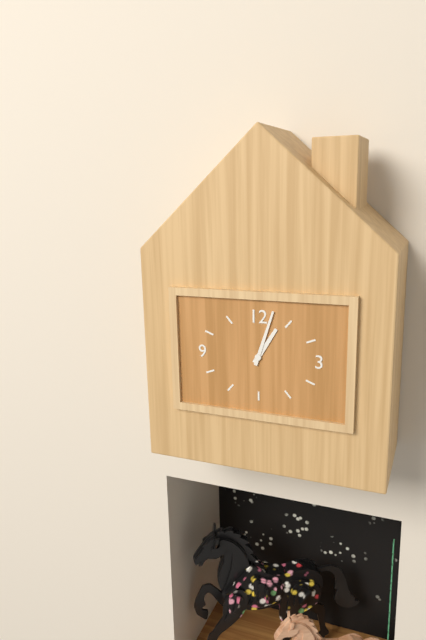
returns 1:03
